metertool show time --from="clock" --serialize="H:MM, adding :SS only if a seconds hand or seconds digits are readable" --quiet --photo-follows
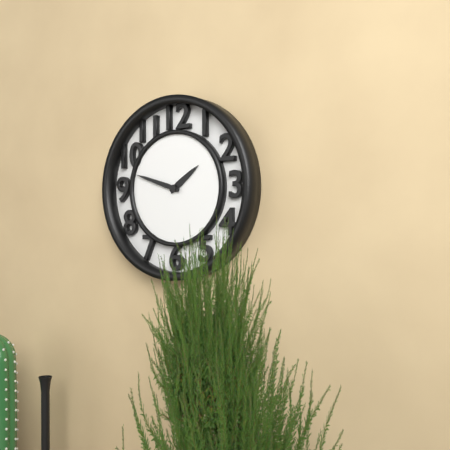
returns 1:48
